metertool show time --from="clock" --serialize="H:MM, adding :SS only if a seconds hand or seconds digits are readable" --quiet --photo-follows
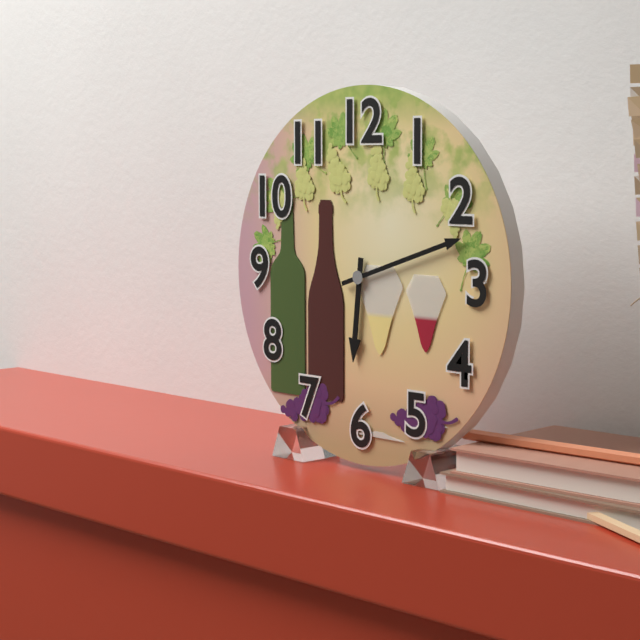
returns 6:12
